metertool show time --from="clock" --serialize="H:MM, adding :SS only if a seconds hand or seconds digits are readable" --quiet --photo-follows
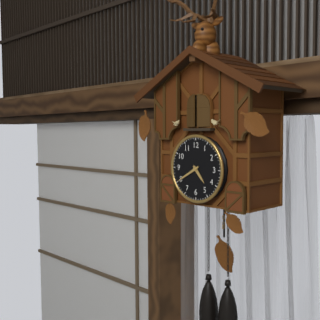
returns 4:40
